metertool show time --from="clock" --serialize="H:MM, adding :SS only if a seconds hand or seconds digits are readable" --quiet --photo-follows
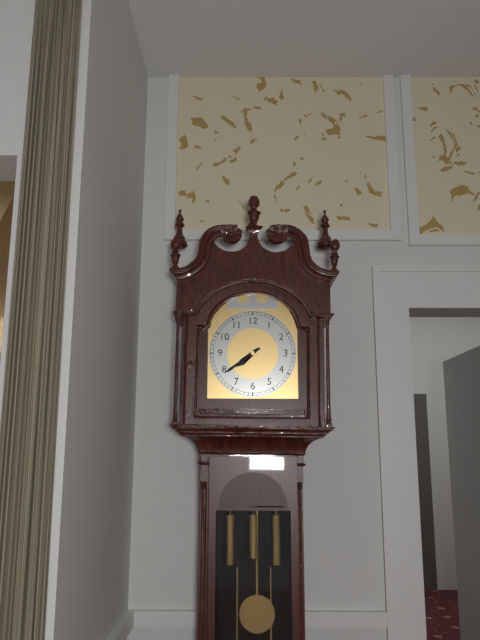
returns 7:39
